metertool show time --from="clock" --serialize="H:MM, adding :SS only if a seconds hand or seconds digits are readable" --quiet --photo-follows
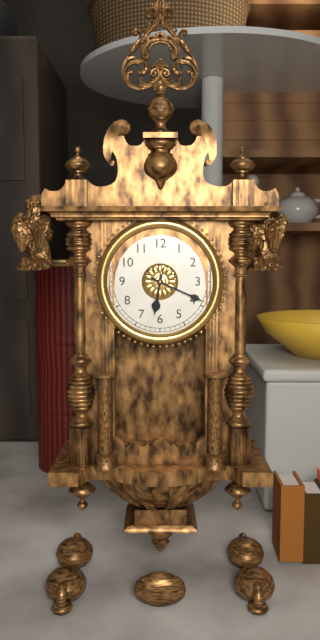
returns 6:19
